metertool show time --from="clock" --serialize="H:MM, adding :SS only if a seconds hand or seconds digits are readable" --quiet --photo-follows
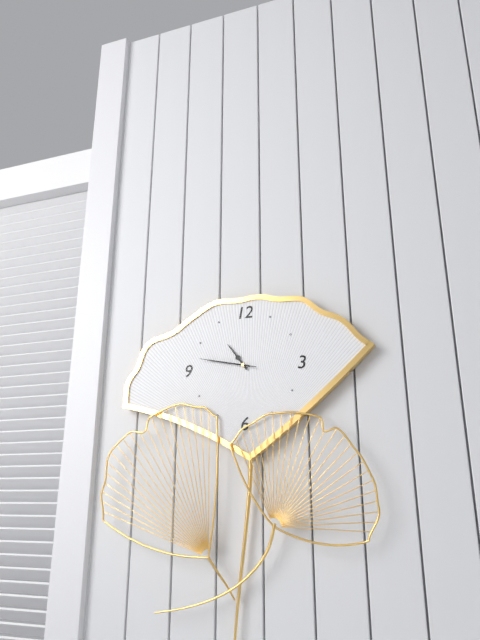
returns 10:47:47
